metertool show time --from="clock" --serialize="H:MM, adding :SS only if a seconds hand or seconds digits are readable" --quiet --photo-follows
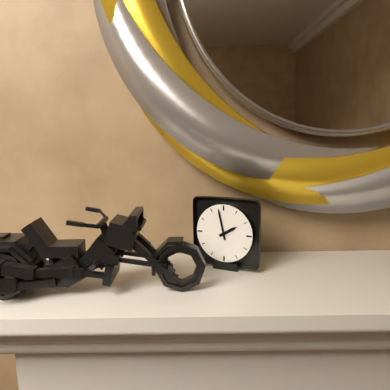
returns 1:58
